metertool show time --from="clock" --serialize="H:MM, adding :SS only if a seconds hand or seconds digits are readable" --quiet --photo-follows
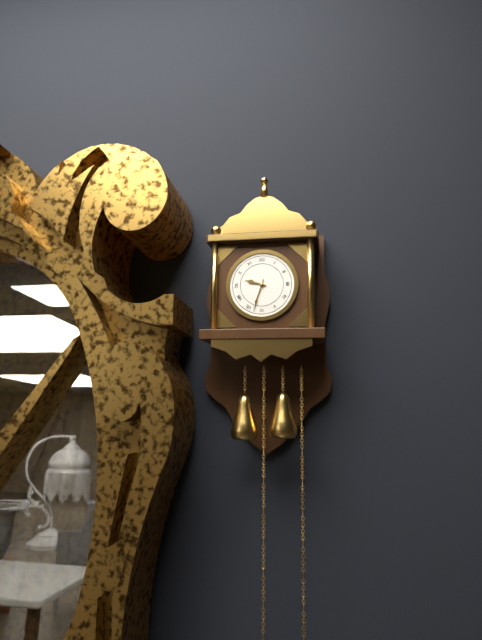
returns 9:33
